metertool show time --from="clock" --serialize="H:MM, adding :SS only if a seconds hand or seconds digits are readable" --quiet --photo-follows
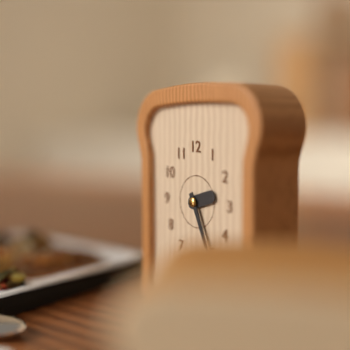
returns 2:26
